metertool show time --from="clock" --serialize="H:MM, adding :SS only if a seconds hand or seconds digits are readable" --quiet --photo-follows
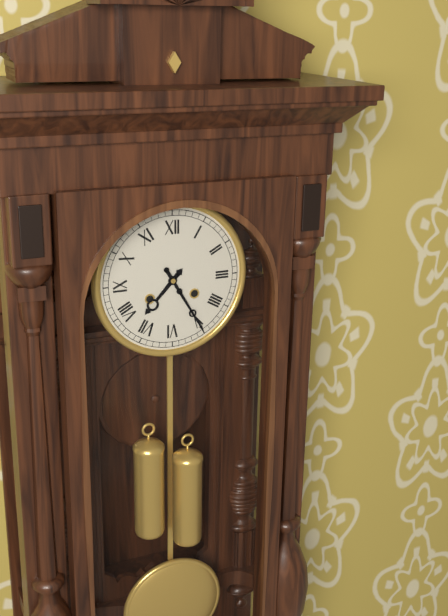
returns 7:25
